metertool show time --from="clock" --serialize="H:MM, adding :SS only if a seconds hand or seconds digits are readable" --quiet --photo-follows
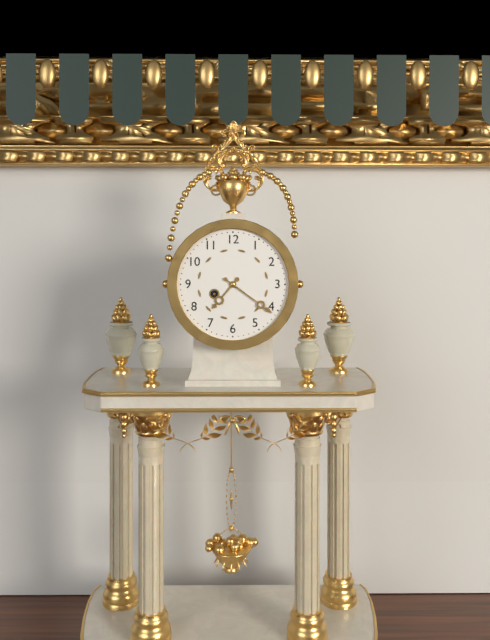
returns 7:21
